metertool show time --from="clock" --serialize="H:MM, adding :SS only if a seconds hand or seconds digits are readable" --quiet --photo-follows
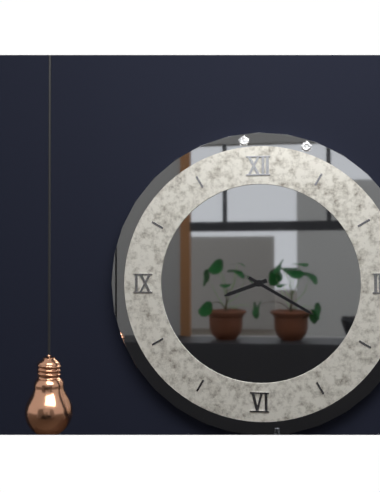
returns 8:20
